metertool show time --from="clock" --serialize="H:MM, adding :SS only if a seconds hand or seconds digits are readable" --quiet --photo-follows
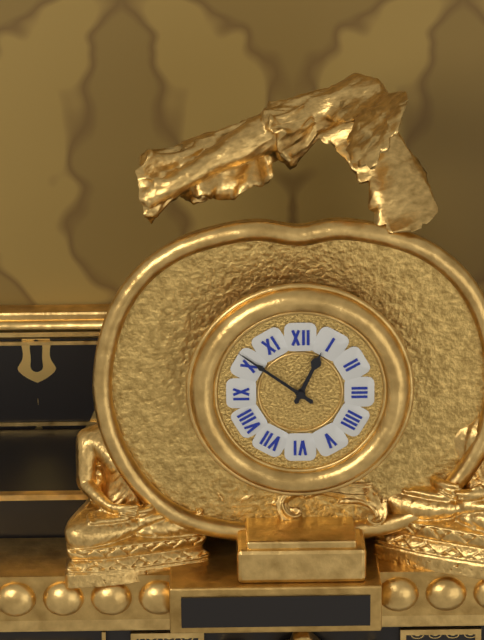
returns 12:51
